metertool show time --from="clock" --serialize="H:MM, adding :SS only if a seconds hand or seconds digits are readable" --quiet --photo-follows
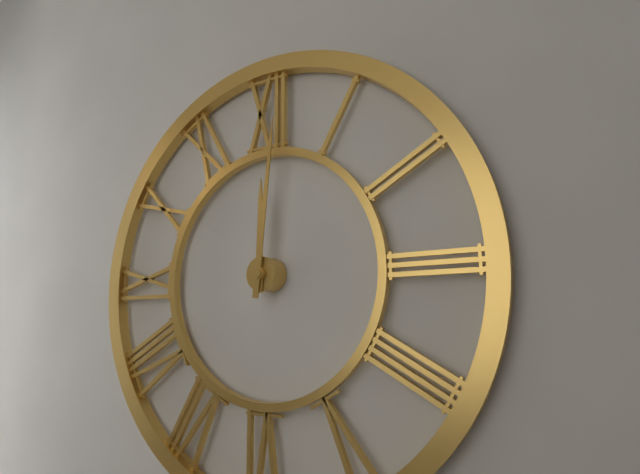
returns 12:01
